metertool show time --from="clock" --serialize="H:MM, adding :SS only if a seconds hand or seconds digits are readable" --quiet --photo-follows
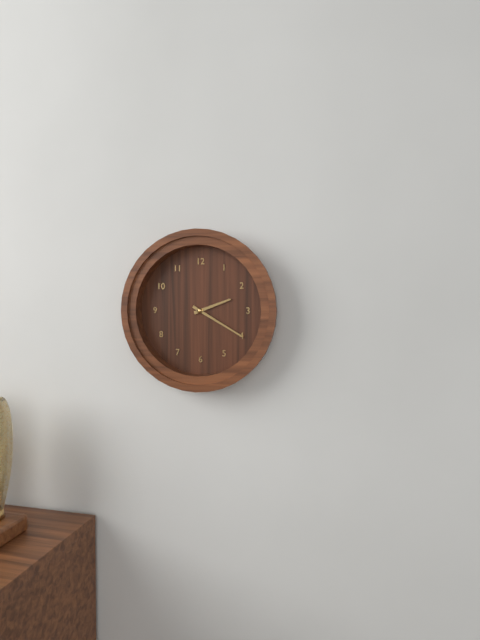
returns 2:20
